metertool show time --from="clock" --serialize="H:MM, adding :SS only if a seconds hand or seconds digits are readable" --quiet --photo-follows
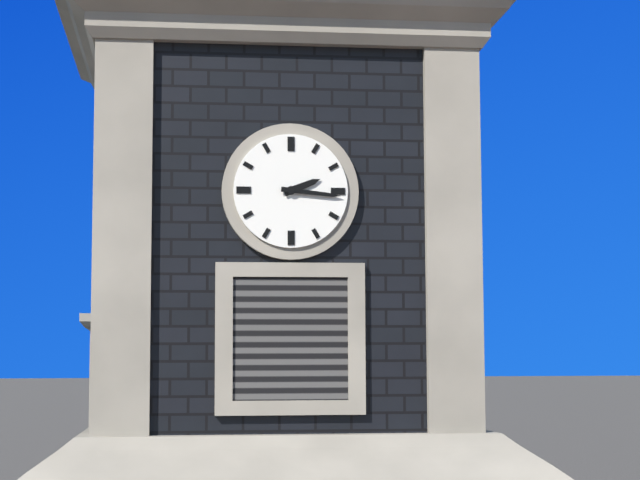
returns 2:16
